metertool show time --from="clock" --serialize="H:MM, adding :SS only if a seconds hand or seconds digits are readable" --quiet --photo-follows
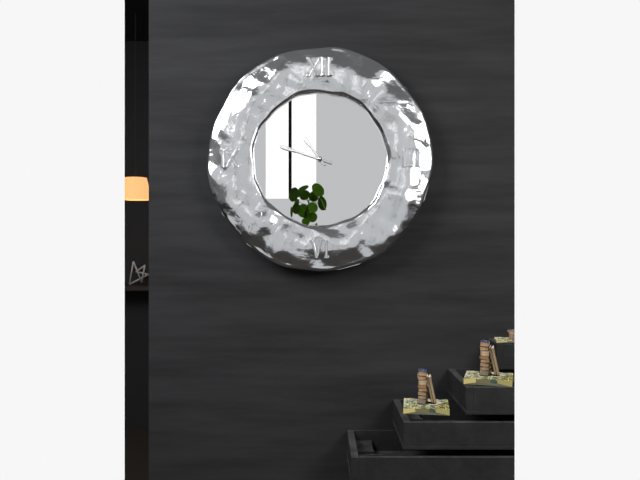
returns 10:48
